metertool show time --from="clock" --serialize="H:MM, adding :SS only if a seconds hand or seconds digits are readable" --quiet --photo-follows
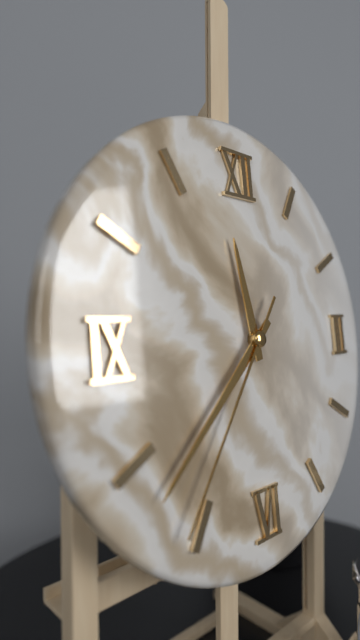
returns 11:38:36
